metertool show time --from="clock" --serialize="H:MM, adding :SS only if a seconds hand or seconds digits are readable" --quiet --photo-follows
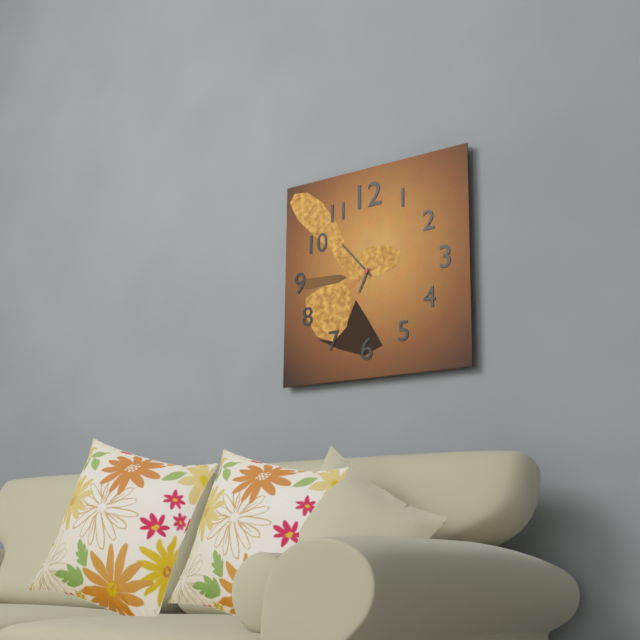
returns 6:53
